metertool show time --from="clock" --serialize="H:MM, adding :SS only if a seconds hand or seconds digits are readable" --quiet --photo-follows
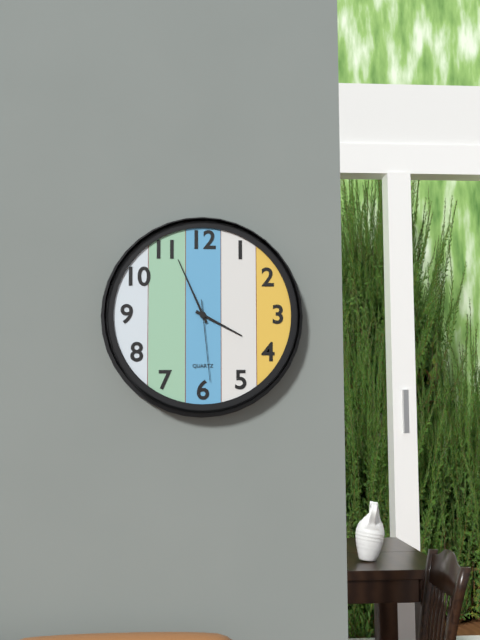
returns 3:56:29
